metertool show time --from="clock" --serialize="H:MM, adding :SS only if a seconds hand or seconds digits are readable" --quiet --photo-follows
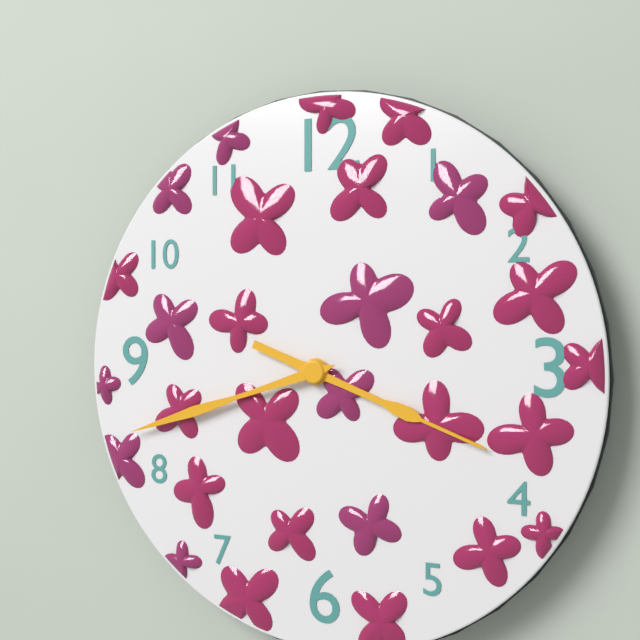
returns 3:42
